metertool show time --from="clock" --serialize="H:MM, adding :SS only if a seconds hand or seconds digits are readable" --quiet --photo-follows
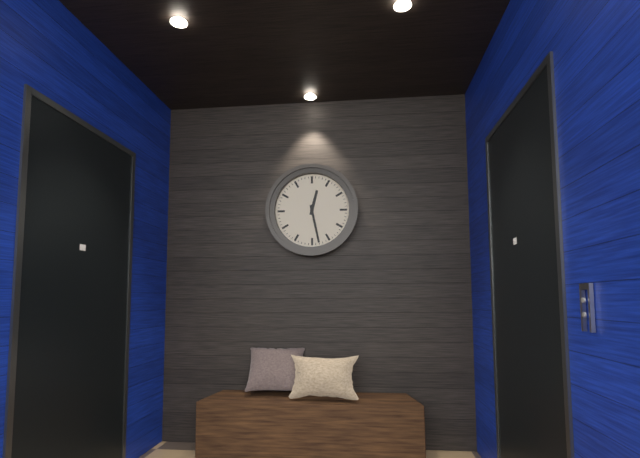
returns 12:28
